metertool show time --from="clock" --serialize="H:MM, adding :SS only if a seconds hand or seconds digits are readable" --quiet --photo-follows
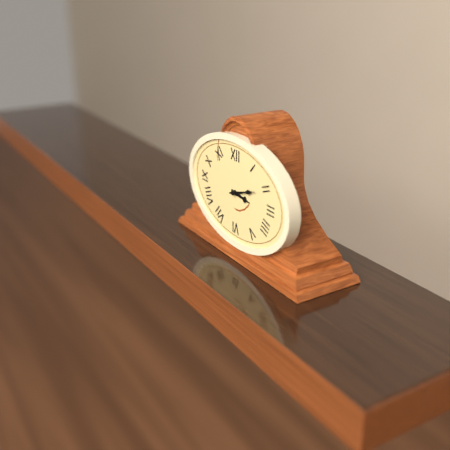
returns 3:12
